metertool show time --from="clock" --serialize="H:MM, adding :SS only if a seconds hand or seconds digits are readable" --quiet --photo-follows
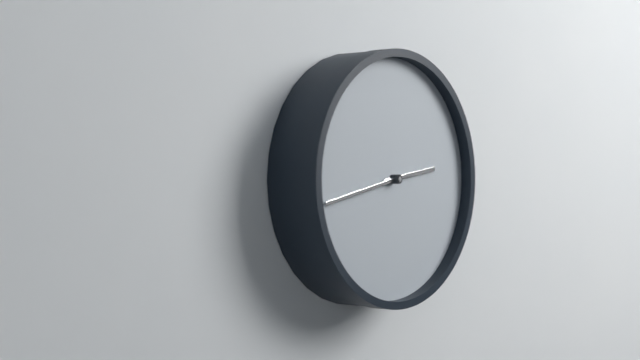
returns 2:43
